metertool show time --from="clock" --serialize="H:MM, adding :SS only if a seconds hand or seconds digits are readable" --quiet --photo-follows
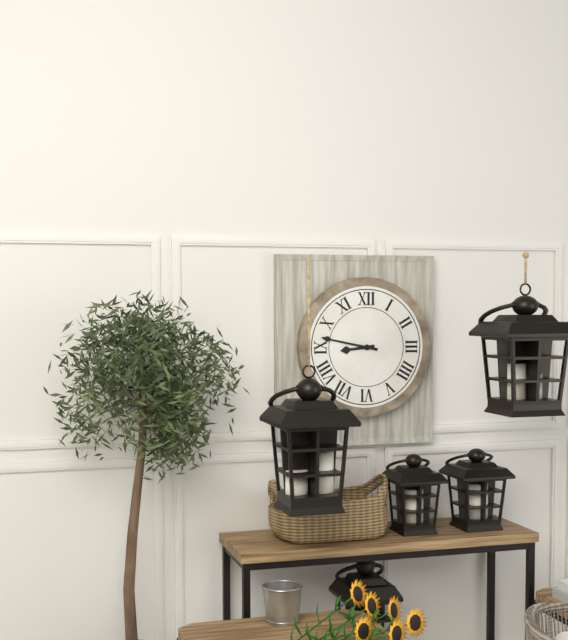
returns 8:47
